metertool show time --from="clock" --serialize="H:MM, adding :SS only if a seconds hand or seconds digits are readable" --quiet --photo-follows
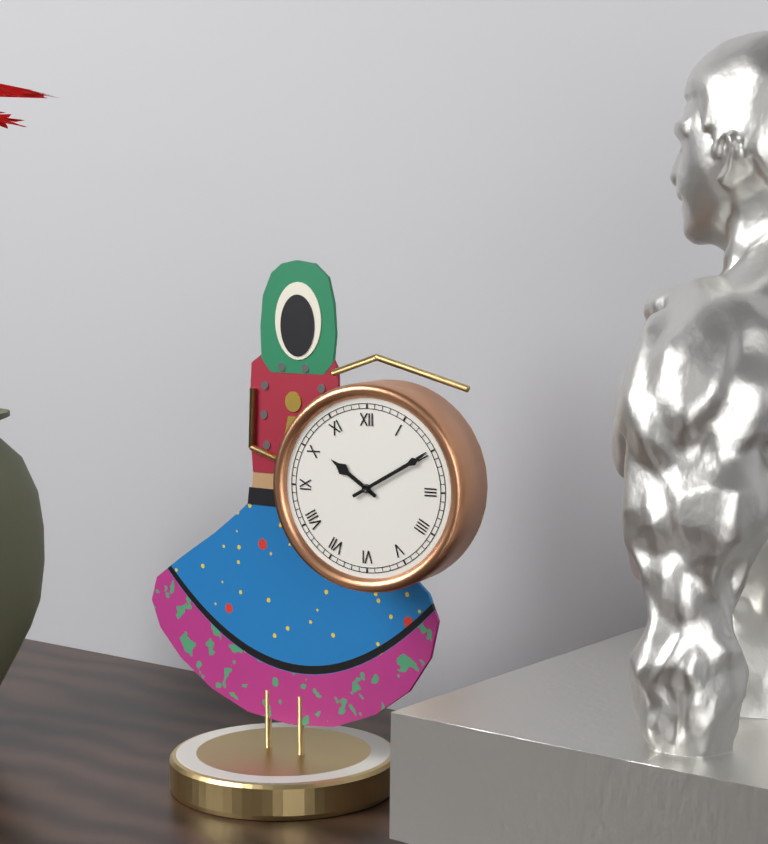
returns 10:10
